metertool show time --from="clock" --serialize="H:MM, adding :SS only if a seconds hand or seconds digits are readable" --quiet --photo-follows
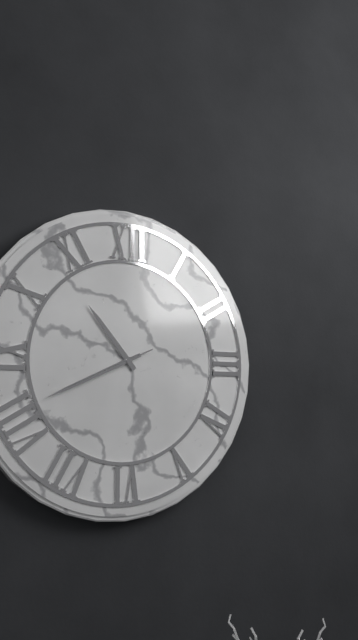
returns 10:41:41
